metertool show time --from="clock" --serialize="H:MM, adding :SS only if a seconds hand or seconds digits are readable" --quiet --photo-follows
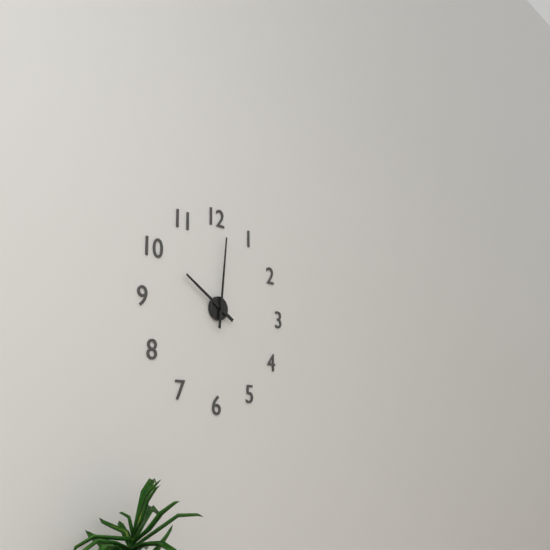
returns 10:01
